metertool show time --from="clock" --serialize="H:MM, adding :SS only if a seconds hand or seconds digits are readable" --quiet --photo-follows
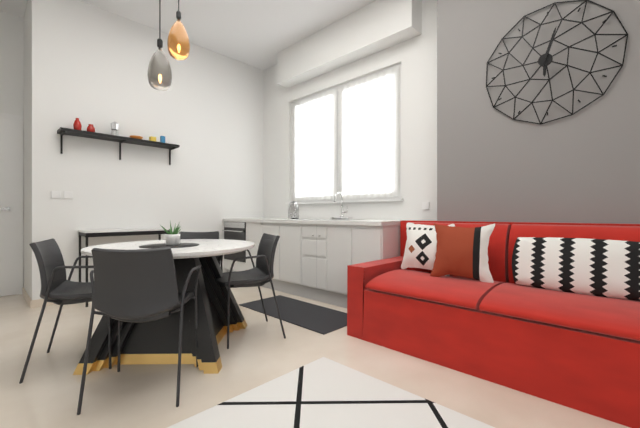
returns 6:03
